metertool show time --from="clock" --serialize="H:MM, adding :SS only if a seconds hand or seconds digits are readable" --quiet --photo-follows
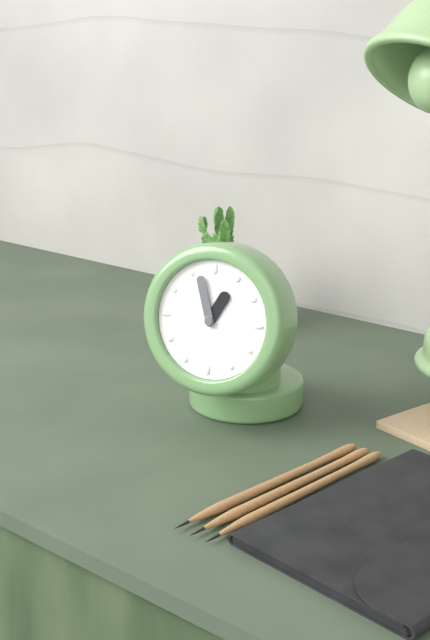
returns 12:57
